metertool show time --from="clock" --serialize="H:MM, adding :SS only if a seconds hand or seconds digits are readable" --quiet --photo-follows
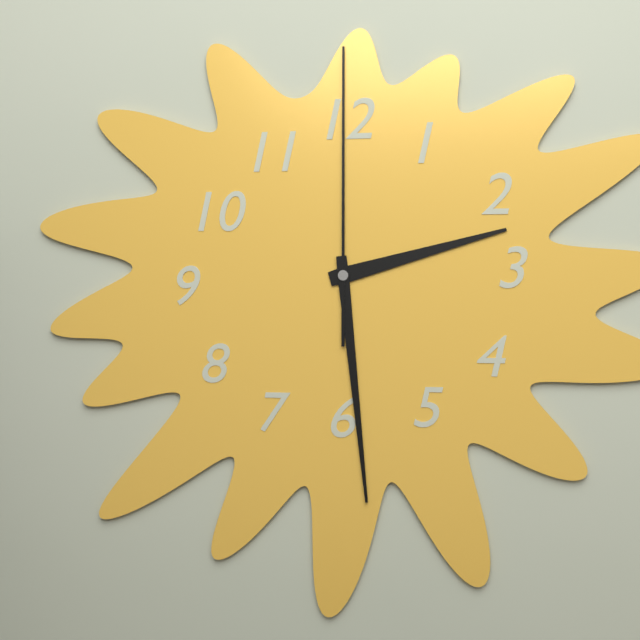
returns 2:29:00
